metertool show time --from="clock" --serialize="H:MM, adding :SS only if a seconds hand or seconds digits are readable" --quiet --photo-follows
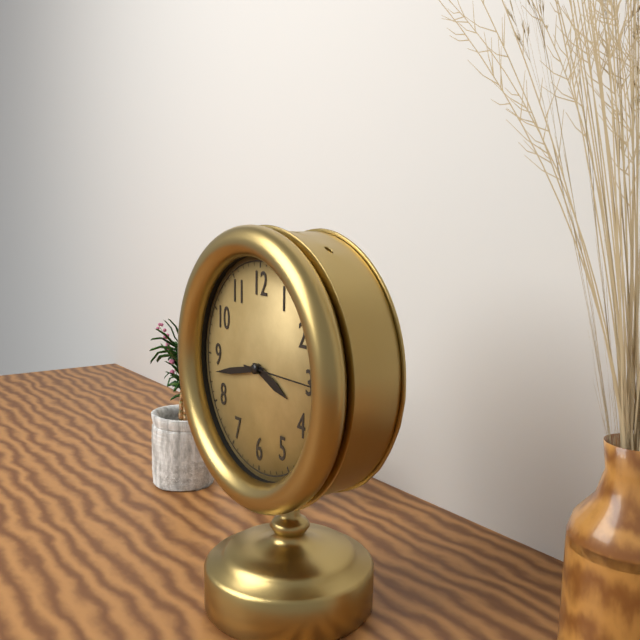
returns 3:43:15
